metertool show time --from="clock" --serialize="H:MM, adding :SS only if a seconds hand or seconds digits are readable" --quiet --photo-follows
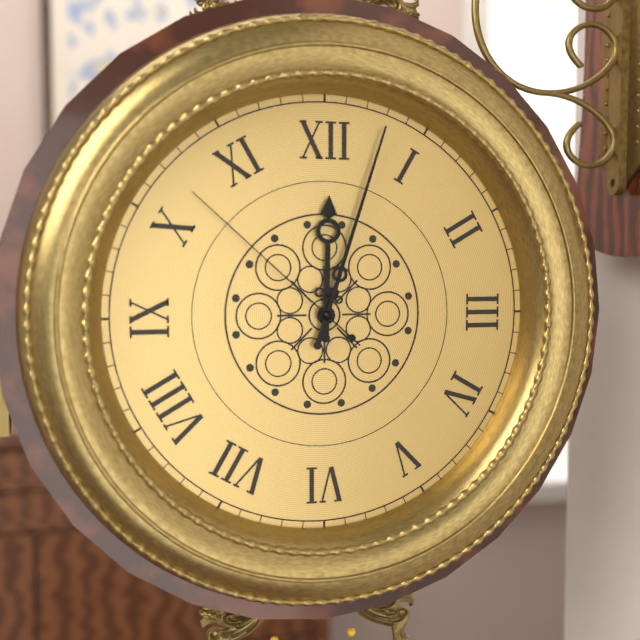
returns 12:03:52
